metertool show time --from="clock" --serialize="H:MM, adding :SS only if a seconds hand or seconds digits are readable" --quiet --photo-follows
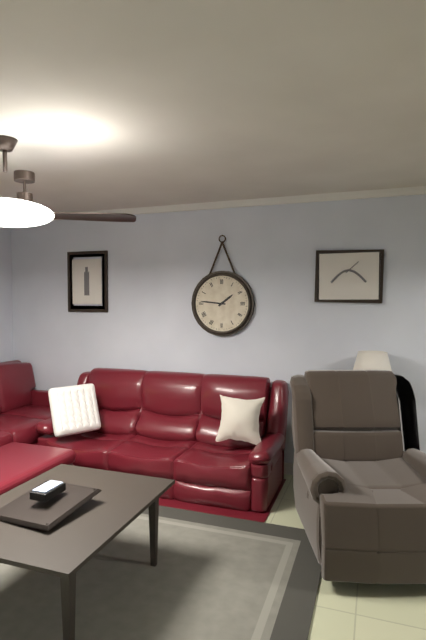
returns 1:46
